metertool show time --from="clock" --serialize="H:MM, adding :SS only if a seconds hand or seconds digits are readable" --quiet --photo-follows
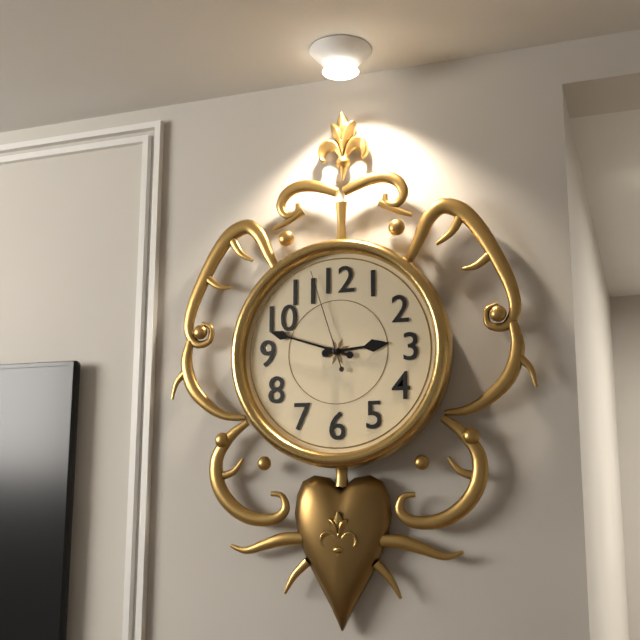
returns 2:48:57
